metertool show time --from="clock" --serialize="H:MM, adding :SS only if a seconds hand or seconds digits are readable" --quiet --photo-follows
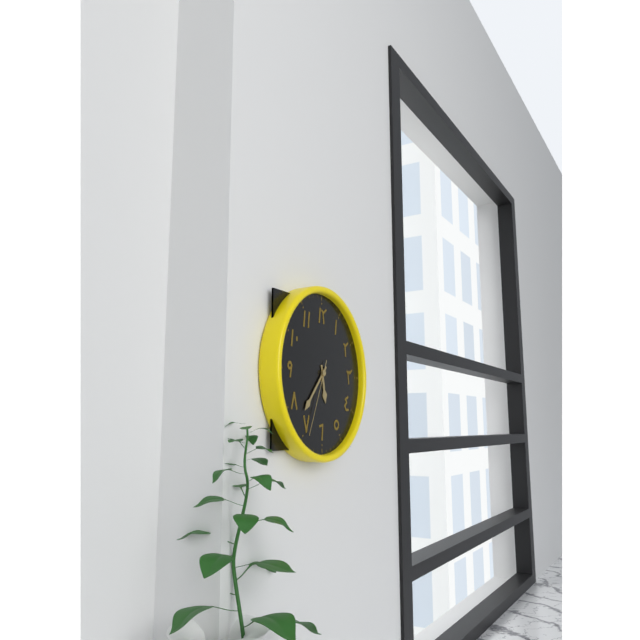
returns 5:37:34
